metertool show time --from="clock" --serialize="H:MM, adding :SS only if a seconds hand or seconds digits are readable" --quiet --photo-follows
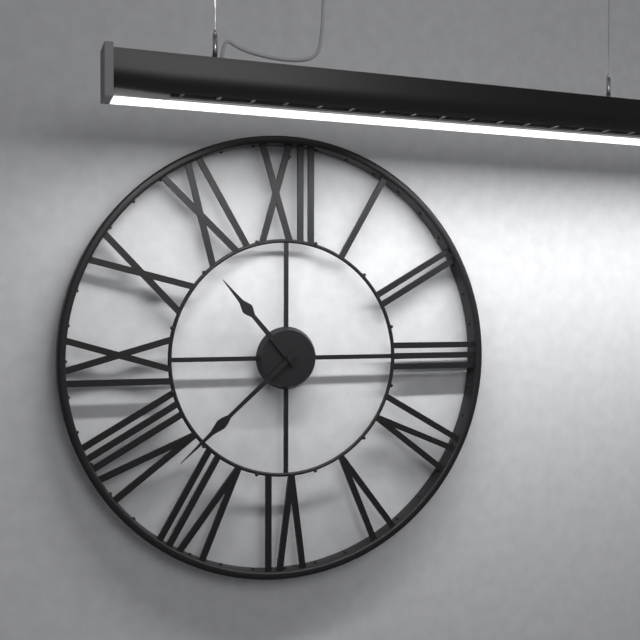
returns 10:38
